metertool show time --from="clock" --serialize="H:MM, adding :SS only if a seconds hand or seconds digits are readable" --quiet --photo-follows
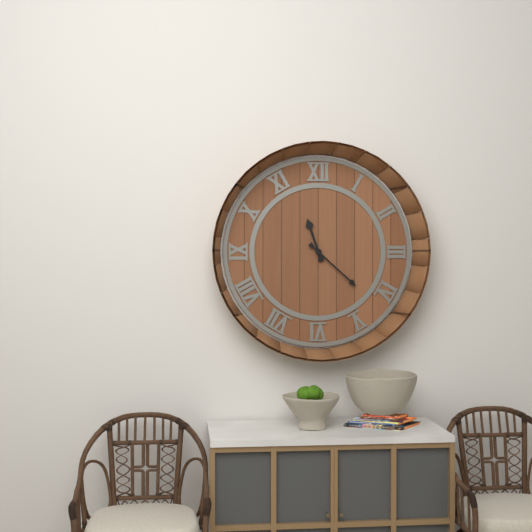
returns 11:22
